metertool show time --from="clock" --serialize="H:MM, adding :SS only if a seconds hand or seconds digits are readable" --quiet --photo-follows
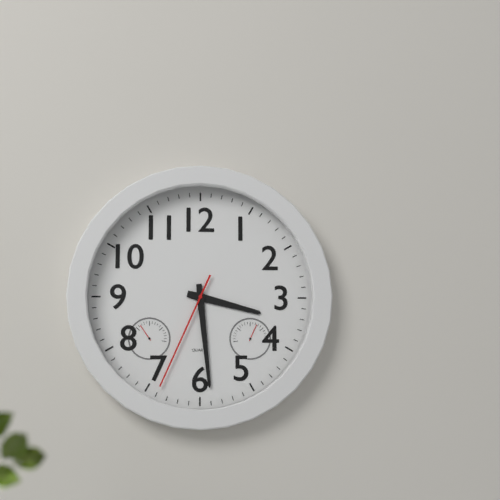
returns 3:29:34
